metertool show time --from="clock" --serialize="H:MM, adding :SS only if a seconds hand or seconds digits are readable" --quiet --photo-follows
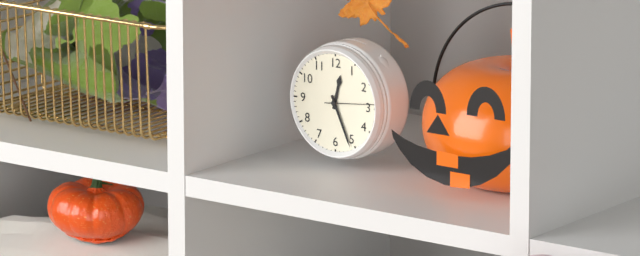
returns 12:26:14
